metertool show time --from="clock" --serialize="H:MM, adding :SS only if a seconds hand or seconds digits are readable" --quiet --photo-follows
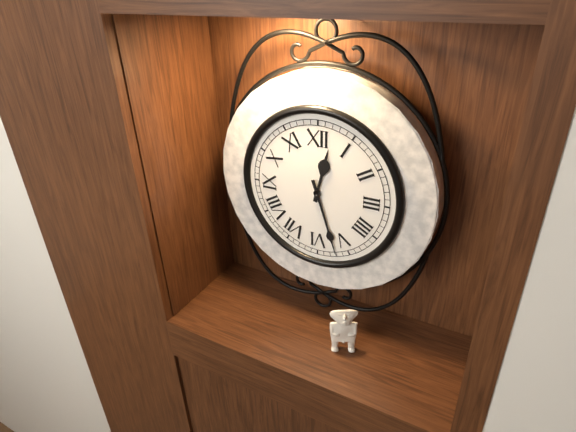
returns 12:27
